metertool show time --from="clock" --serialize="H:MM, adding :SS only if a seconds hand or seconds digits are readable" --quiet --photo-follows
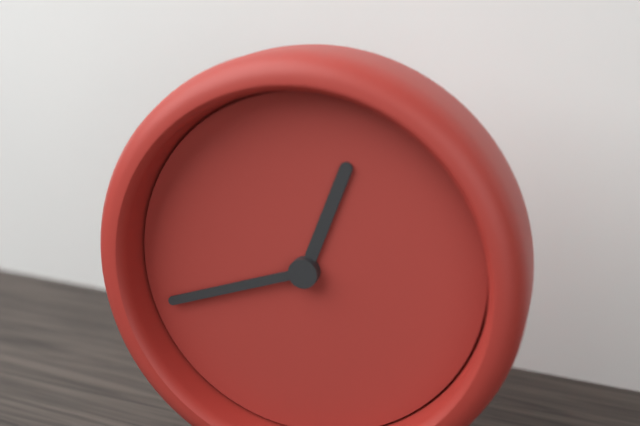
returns 12:42
